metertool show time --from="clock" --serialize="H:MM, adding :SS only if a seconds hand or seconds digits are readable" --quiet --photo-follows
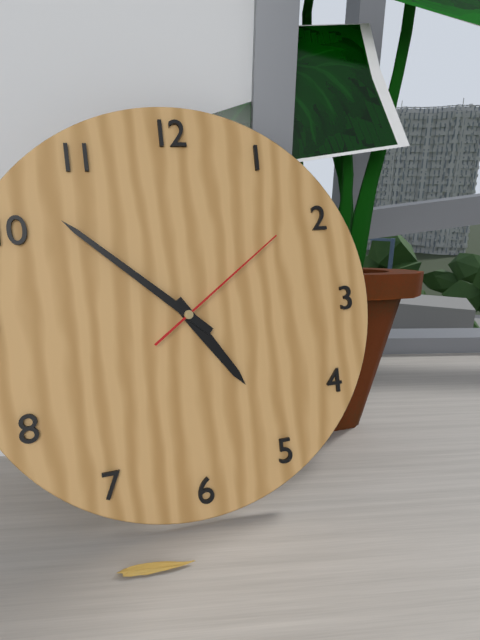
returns 4:52:09
